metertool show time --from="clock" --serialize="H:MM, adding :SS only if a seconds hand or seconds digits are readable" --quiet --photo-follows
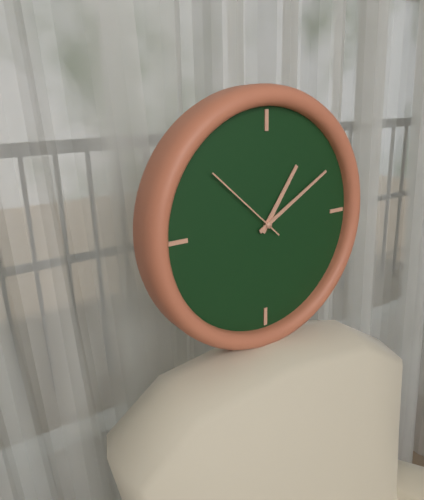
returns 1:10:52
